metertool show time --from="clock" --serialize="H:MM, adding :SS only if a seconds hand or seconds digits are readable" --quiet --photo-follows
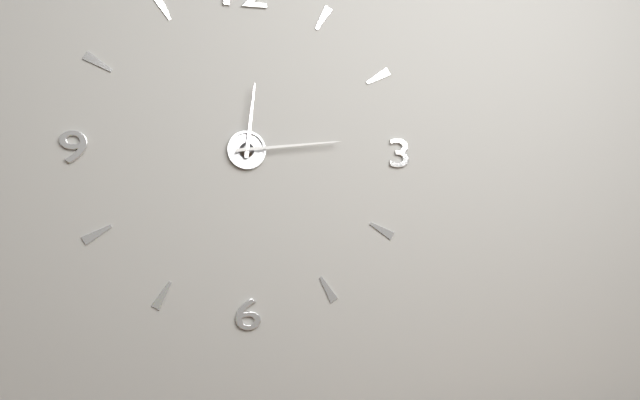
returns 12:14
